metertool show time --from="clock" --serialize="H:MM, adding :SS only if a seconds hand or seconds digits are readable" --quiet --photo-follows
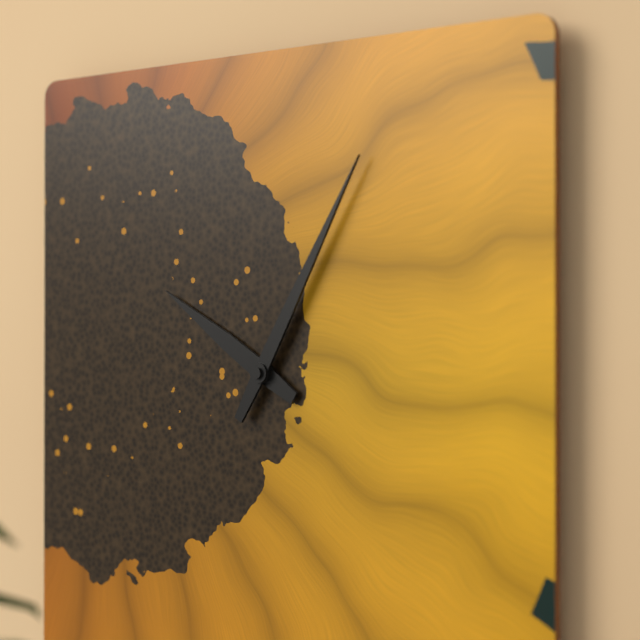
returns 10:05
